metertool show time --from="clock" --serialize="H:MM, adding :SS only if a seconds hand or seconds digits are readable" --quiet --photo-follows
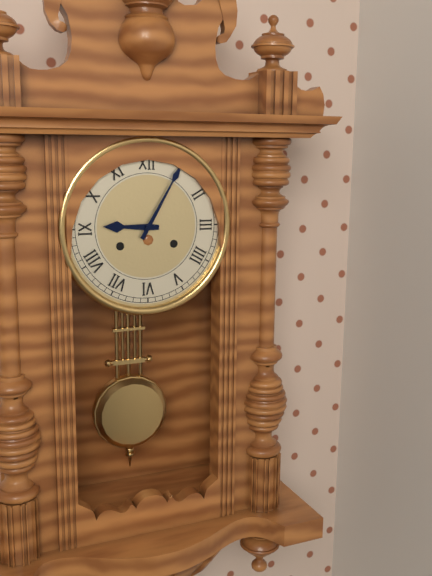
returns 9:05
